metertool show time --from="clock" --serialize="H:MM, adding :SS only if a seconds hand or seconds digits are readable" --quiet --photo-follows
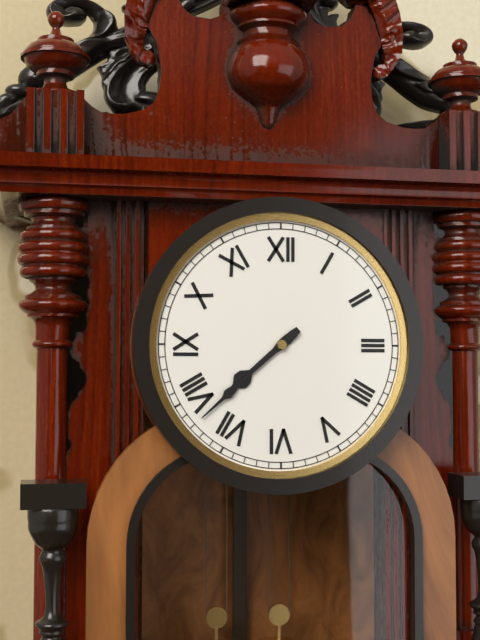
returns 7:38
